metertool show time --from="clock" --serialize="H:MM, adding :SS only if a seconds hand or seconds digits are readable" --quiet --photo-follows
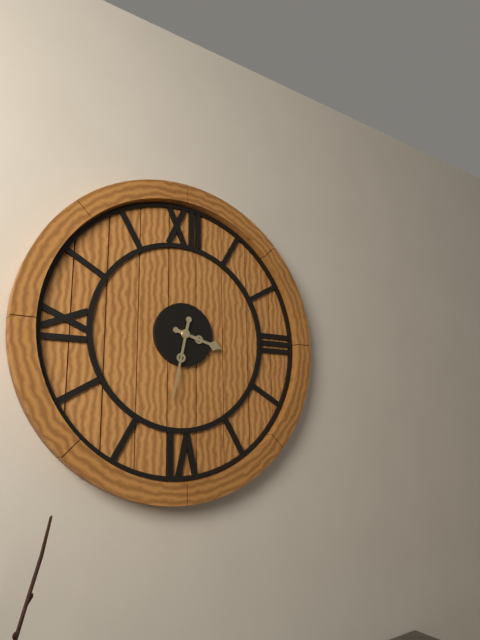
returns 3:32
